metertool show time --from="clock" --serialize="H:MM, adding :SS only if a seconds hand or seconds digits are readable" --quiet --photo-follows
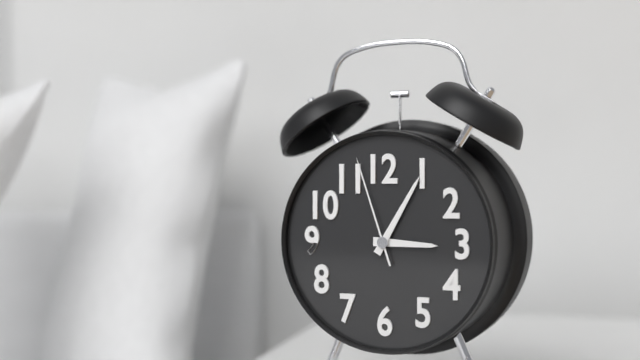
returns 3:05:57
